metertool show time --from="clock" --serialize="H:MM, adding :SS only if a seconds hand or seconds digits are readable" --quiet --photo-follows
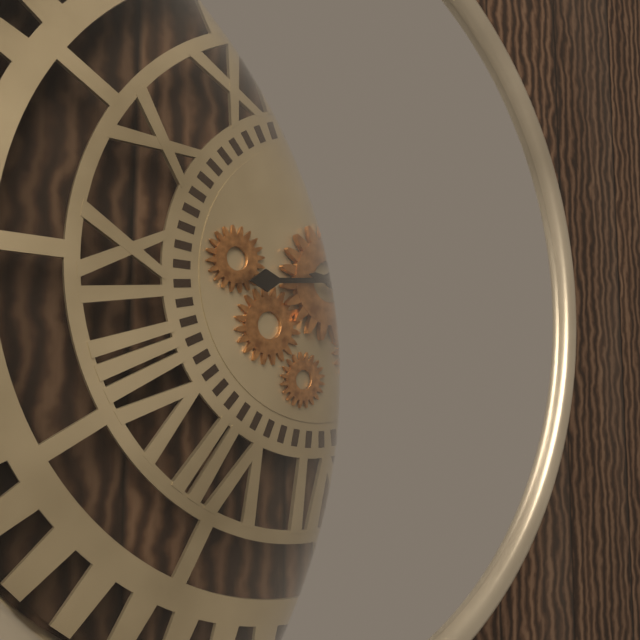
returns 3:14
